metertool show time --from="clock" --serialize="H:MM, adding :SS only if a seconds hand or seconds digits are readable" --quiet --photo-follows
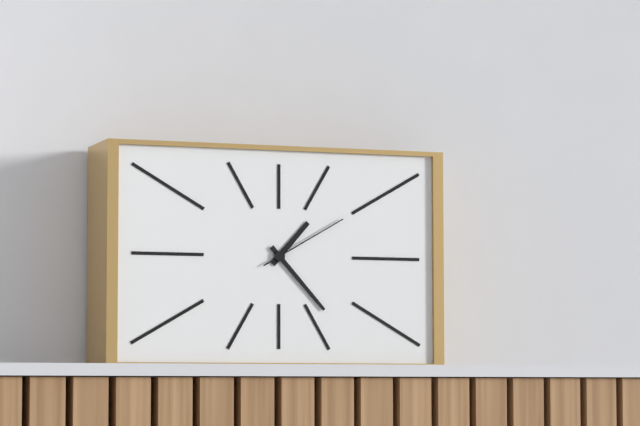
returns 1:23:10
